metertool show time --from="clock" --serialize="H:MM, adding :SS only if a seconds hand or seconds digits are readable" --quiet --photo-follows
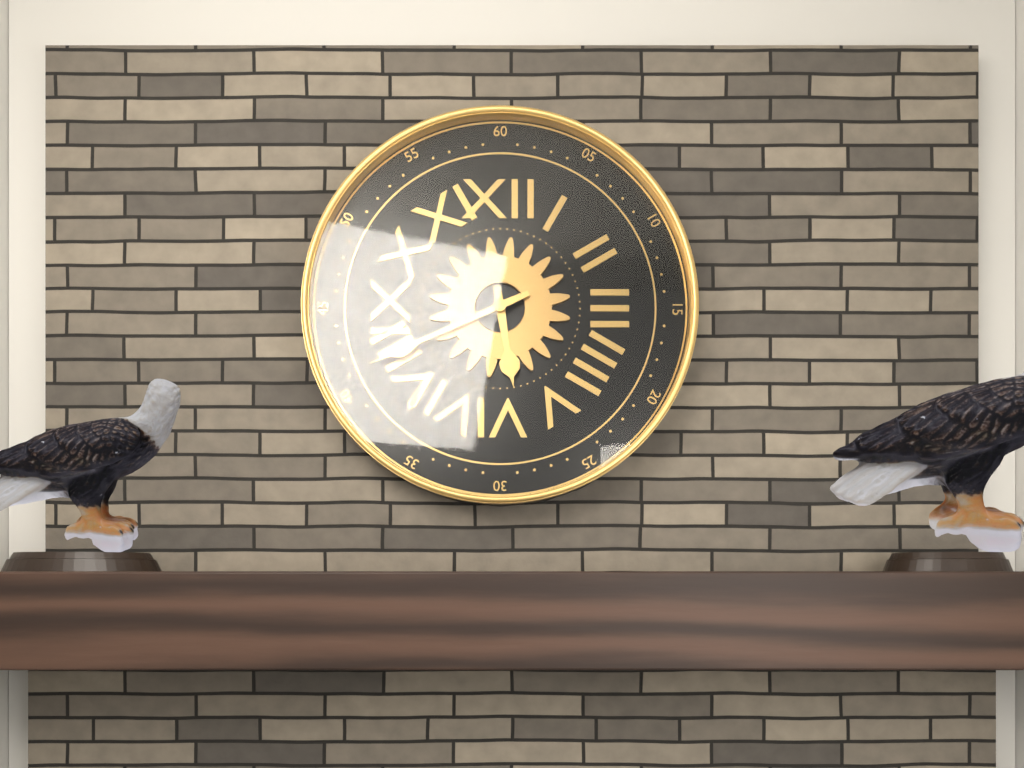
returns 5:41
